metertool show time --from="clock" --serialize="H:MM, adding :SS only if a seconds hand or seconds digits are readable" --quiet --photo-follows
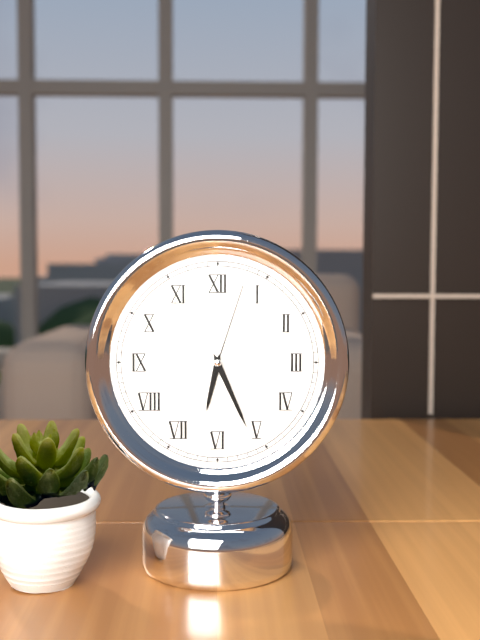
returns 6:26:03
